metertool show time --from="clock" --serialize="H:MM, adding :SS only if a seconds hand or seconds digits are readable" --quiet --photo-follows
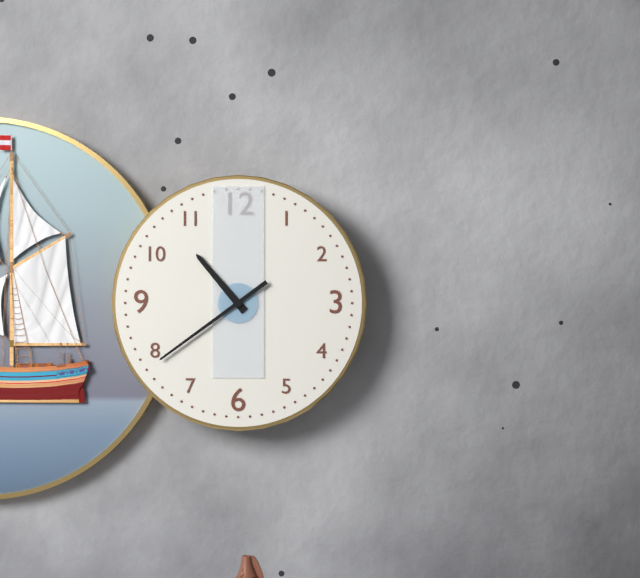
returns 10:39
